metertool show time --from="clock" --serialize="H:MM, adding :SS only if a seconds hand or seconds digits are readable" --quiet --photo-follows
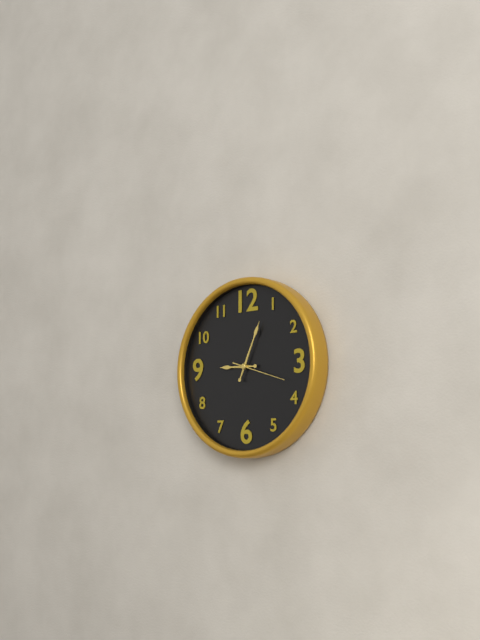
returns 9:04:18
